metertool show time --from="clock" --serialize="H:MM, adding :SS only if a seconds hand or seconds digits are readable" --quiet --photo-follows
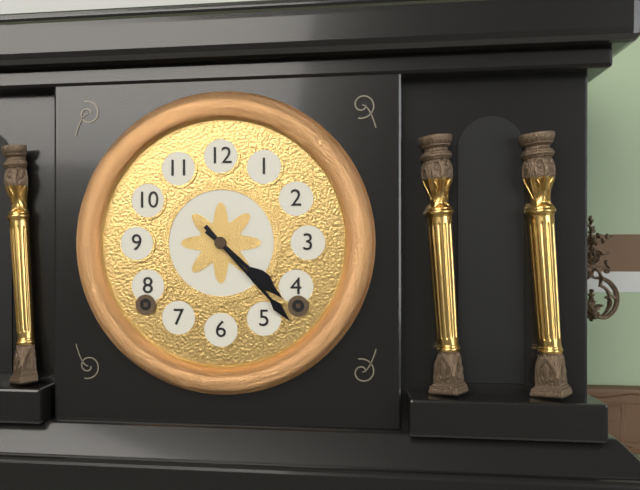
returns 4:23
